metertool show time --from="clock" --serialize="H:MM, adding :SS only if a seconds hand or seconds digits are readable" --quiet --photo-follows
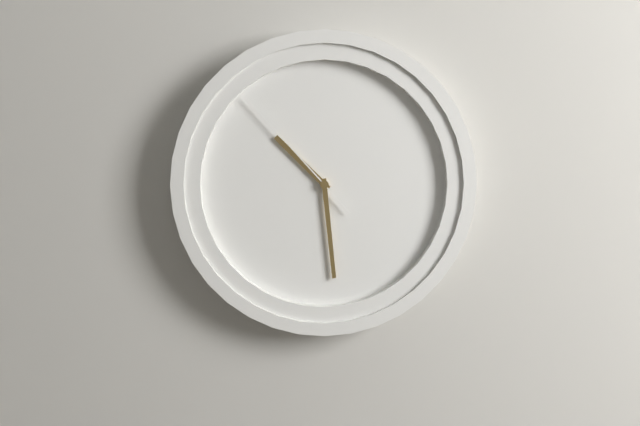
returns 10:29:53
